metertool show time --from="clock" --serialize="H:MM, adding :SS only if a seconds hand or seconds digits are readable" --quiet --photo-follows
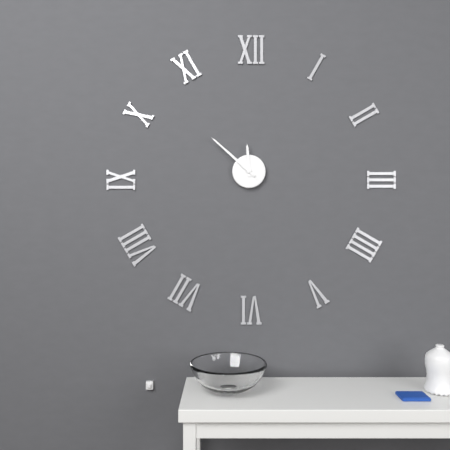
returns 11:52
